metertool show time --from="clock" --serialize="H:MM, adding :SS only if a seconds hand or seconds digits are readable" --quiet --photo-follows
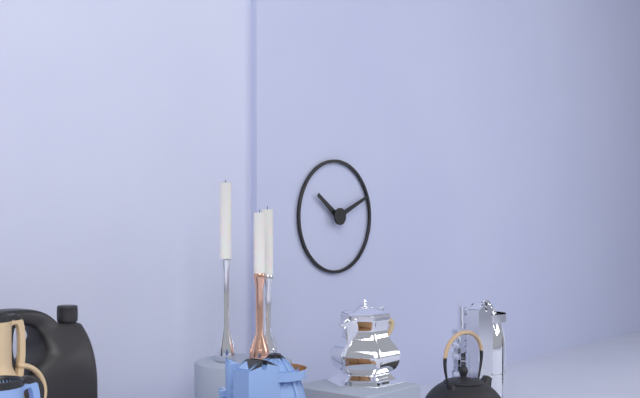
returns 10:11
